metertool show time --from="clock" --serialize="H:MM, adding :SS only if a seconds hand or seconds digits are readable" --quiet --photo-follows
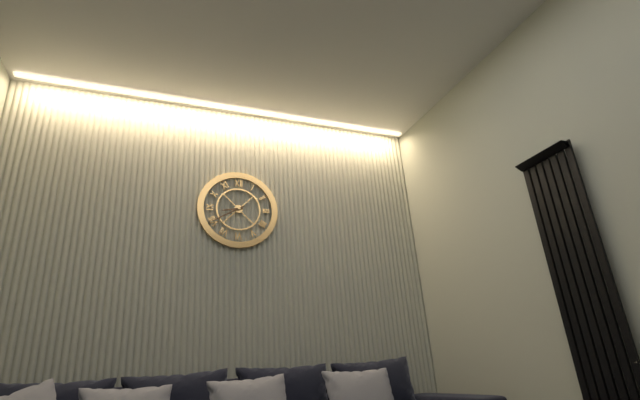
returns 8:40
